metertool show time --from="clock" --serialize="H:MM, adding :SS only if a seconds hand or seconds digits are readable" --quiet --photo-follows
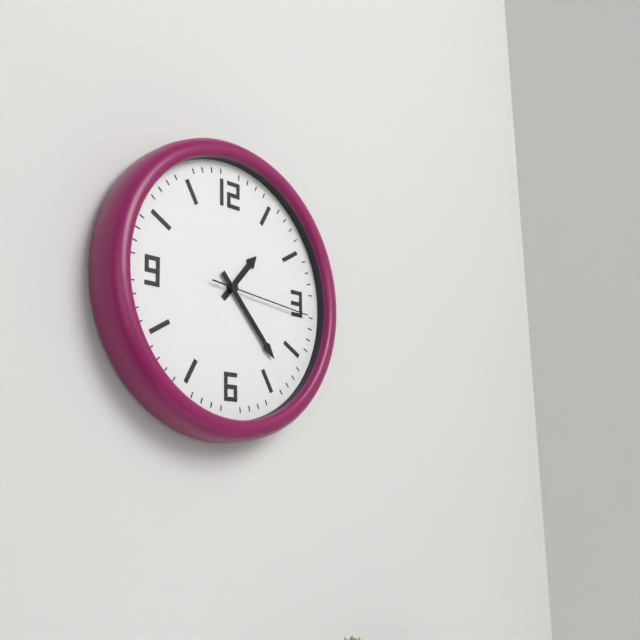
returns 1:23:16
